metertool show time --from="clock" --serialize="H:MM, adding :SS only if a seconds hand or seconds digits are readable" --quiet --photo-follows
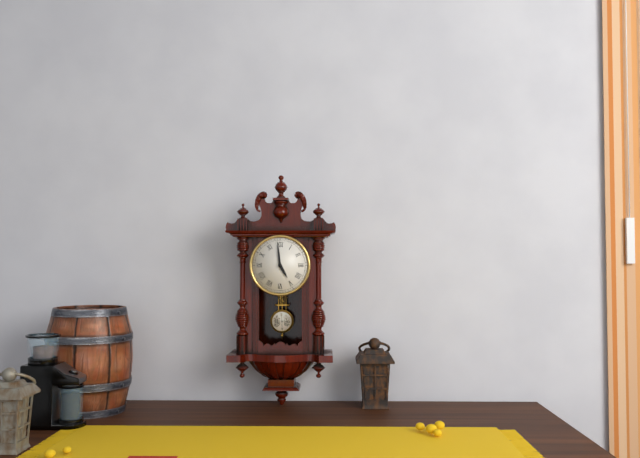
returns 4:59
